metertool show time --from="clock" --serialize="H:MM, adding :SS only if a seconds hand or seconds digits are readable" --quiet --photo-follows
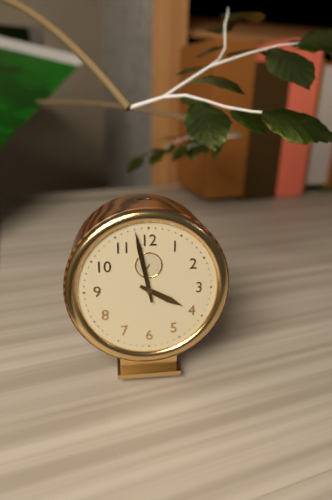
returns 3:58
